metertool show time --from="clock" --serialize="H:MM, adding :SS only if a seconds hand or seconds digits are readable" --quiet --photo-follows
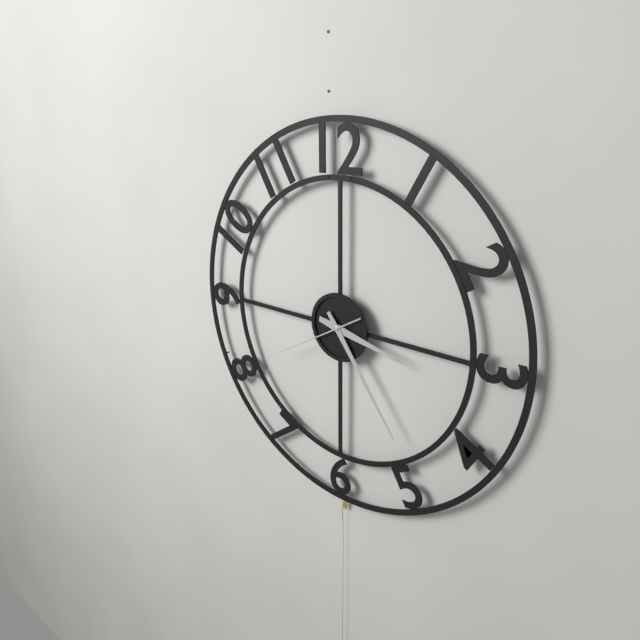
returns 3:24:40
